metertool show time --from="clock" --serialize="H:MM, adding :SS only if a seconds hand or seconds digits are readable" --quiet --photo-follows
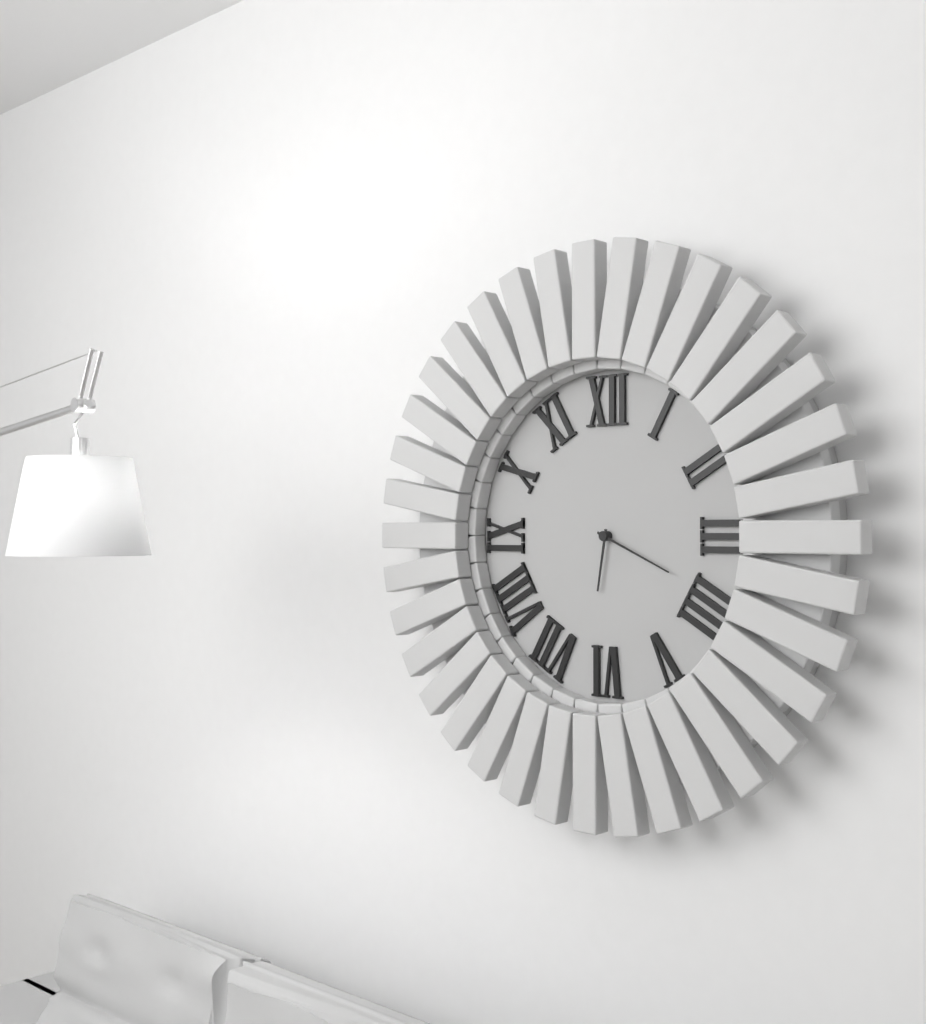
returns 6:19
